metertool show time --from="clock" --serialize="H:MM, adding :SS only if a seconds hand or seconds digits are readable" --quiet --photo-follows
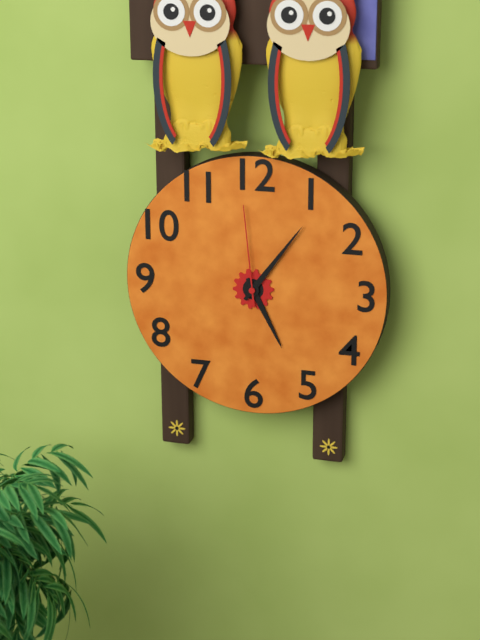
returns 5:06:59
